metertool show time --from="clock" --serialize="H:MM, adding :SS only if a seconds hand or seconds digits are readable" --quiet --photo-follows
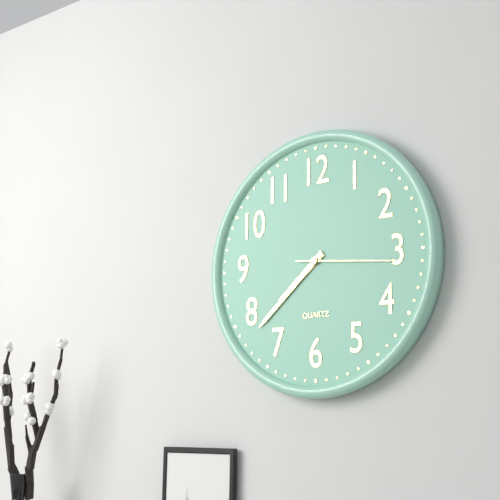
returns 7:38:16
